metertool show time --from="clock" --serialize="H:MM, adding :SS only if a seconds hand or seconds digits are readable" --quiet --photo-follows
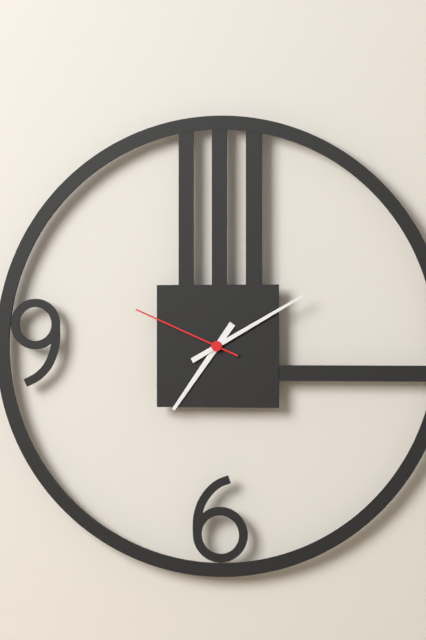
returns 7:10:49
